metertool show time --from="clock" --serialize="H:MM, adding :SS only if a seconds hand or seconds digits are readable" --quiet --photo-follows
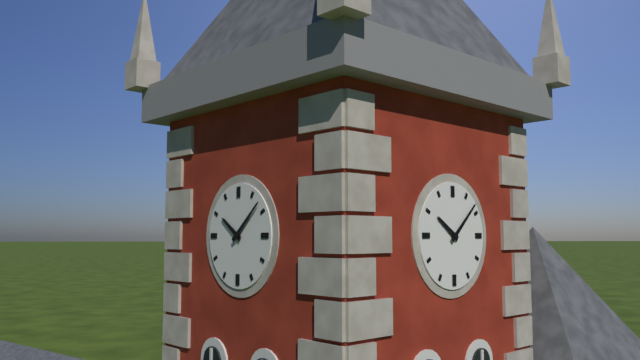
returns 10:08
